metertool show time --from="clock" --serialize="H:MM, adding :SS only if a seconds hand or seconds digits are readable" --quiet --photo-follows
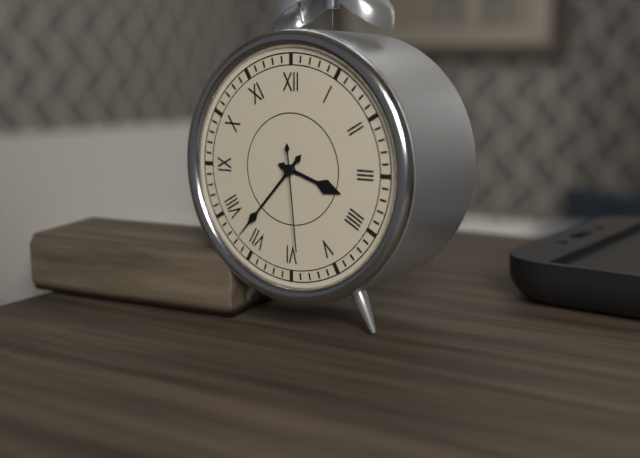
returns 3:37:29
